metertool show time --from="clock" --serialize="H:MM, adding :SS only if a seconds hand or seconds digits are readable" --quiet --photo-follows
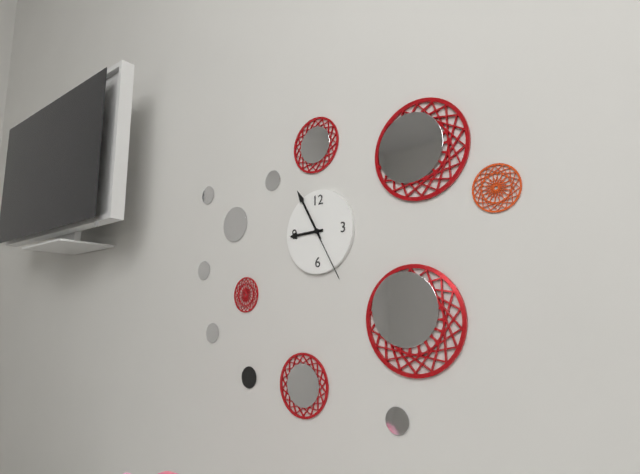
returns 8:55:25
